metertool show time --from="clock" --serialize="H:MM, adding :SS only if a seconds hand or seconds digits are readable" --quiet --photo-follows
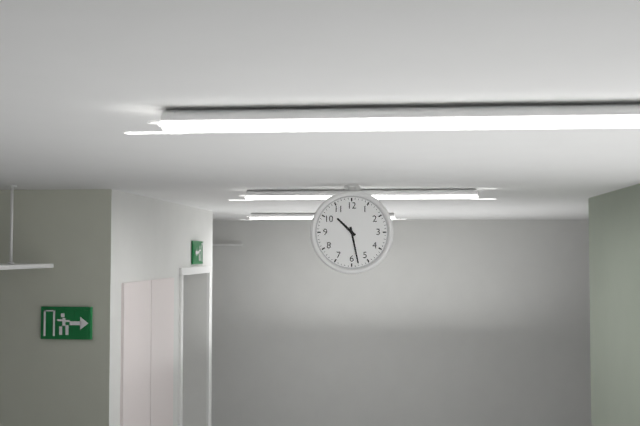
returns 10:28
